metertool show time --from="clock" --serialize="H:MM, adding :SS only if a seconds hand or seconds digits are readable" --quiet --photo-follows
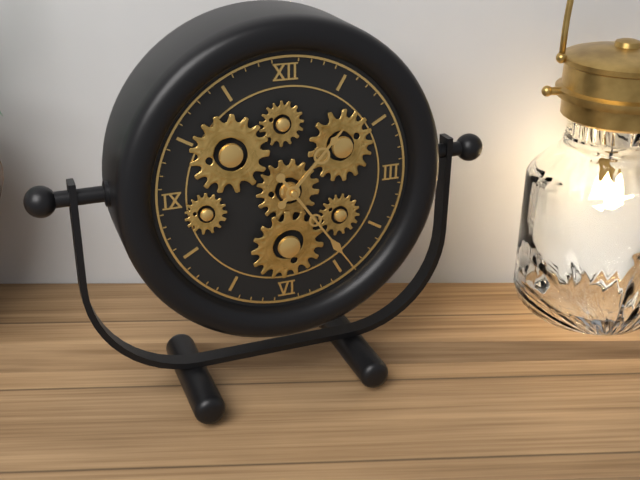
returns 1:24
